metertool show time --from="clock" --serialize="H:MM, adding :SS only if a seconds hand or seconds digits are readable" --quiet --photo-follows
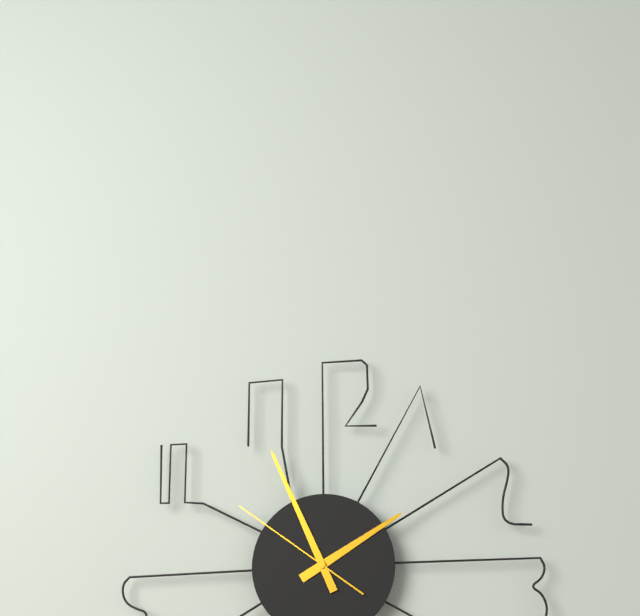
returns 1:56:51
